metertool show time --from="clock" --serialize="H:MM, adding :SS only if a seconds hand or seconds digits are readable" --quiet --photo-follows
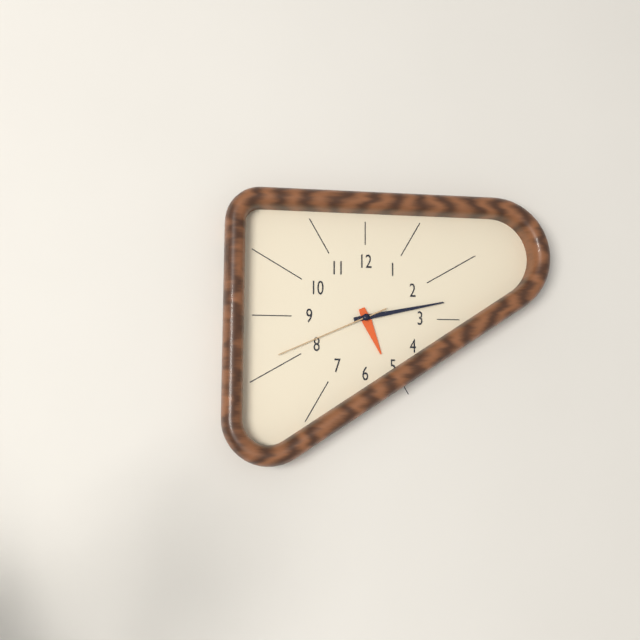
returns 5:13:41
